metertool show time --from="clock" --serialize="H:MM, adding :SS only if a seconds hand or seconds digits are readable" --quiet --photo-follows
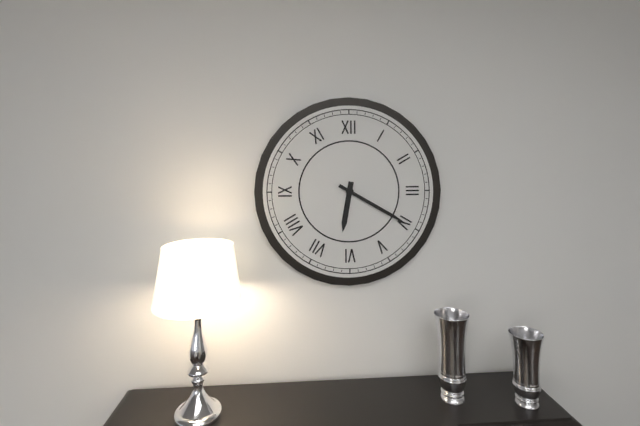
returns 6:20
